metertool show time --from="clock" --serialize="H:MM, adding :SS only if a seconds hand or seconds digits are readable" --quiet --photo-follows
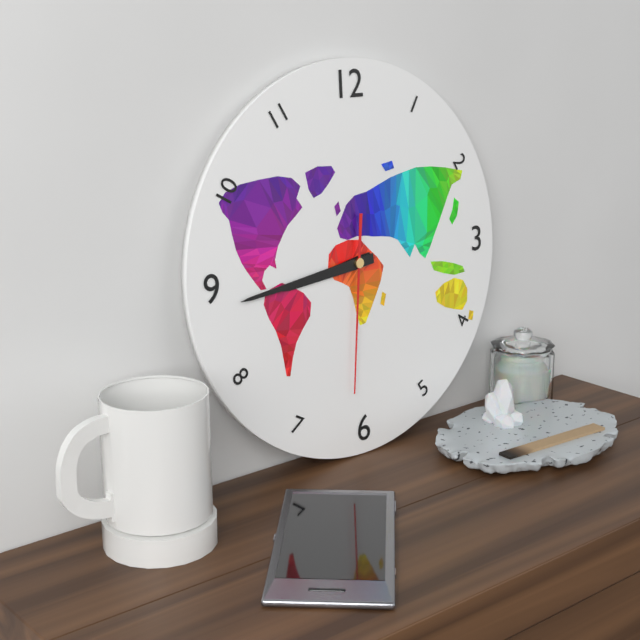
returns 8:44:31
